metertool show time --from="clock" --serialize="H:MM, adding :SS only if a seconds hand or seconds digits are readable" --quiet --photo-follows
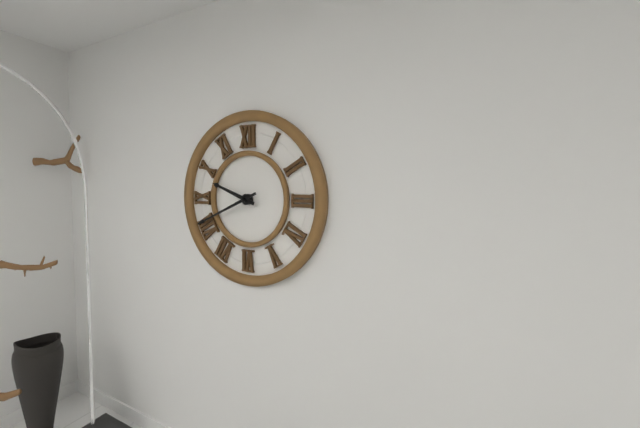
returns 9:41
